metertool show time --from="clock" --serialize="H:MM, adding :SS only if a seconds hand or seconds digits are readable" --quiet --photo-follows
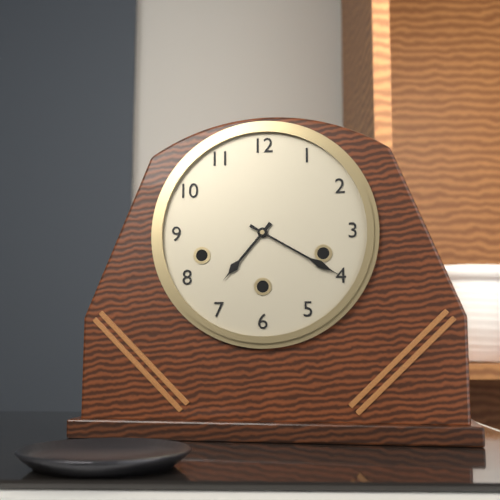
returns 7:20
